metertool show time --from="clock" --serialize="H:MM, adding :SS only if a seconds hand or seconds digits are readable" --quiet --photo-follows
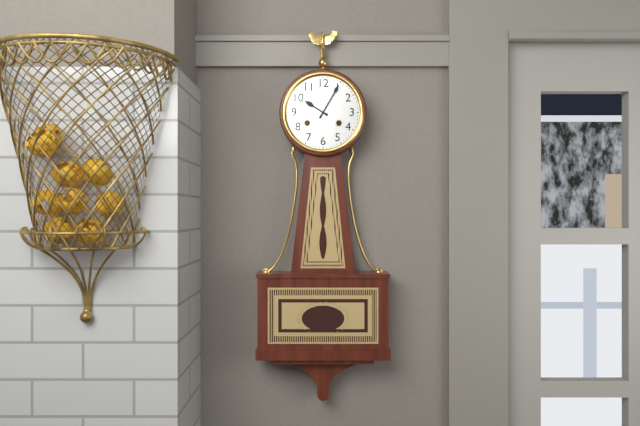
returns 10:05
